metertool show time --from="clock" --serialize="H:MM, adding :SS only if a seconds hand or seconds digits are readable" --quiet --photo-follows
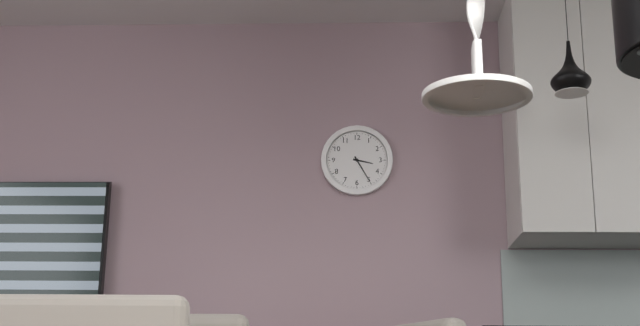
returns 3:25
